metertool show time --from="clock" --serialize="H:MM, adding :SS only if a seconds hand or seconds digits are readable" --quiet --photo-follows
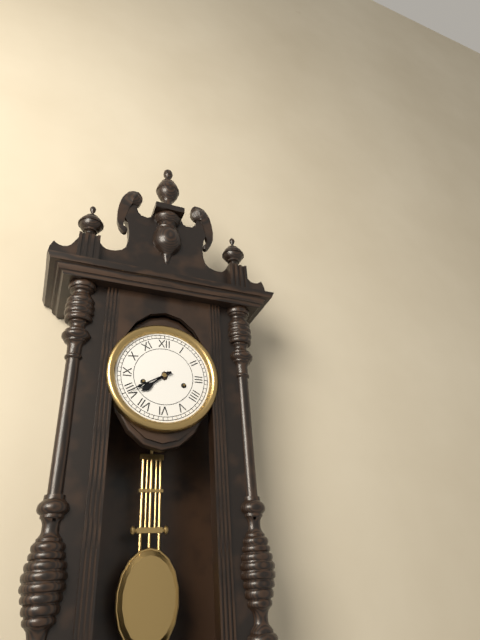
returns 7:40
